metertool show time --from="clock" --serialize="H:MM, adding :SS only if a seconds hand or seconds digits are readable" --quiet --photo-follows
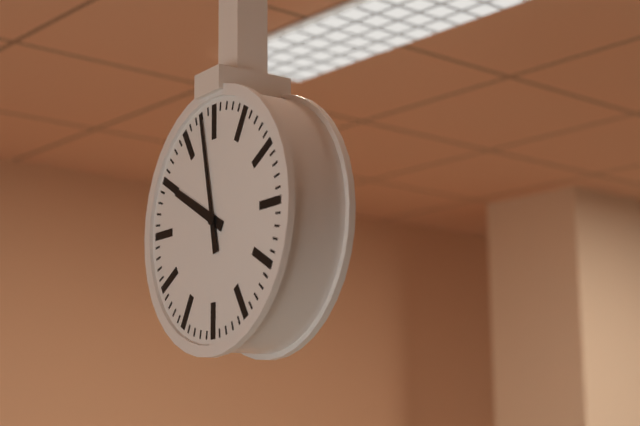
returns 9:58
